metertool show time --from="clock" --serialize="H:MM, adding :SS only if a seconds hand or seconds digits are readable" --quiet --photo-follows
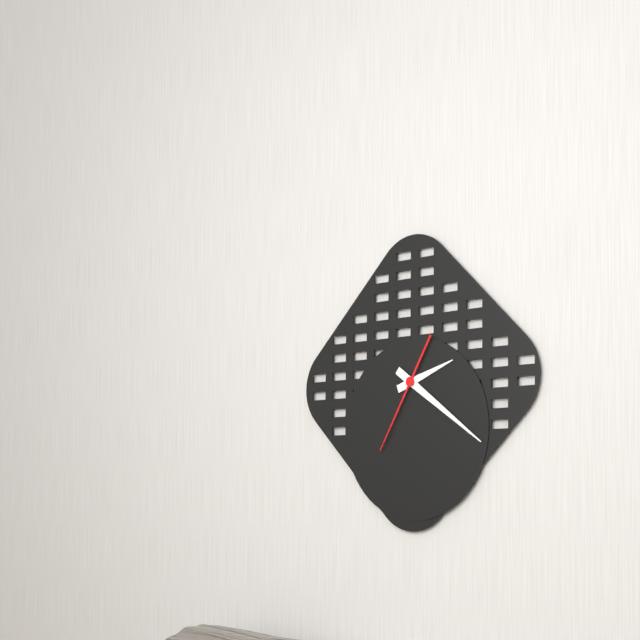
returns 2:21:35
